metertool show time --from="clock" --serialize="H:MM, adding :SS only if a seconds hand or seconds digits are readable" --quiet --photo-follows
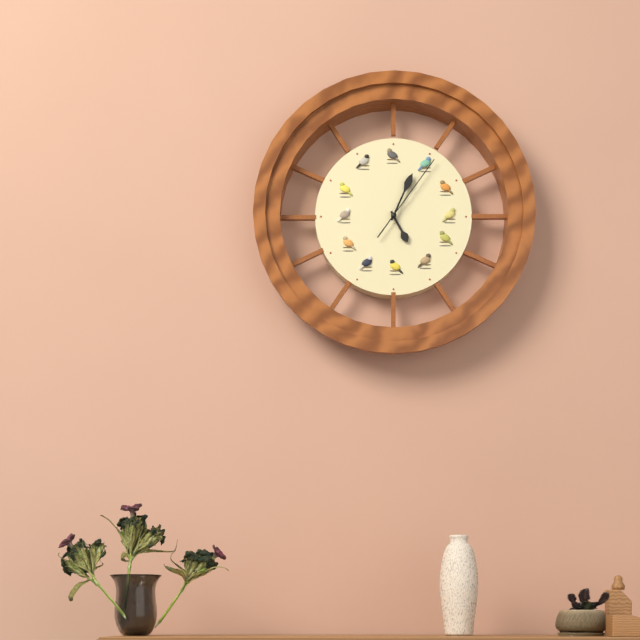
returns 5:04:06
